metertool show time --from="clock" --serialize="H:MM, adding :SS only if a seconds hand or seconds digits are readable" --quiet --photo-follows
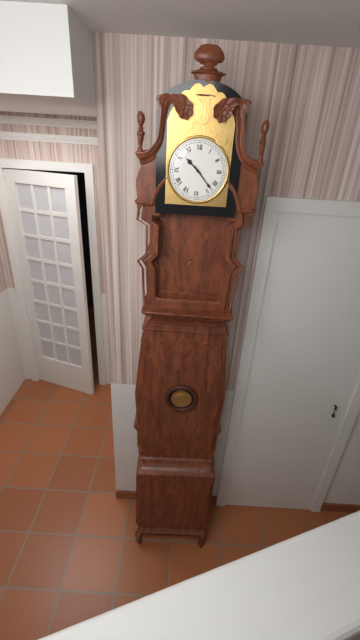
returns 10:23
